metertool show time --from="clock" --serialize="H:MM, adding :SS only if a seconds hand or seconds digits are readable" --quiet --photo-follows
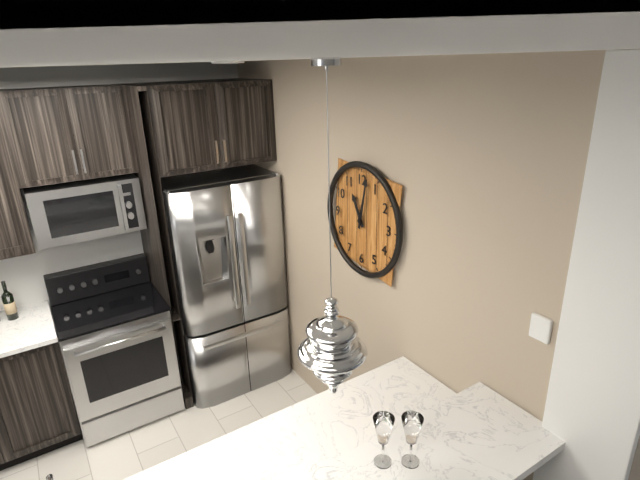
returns 11:02
